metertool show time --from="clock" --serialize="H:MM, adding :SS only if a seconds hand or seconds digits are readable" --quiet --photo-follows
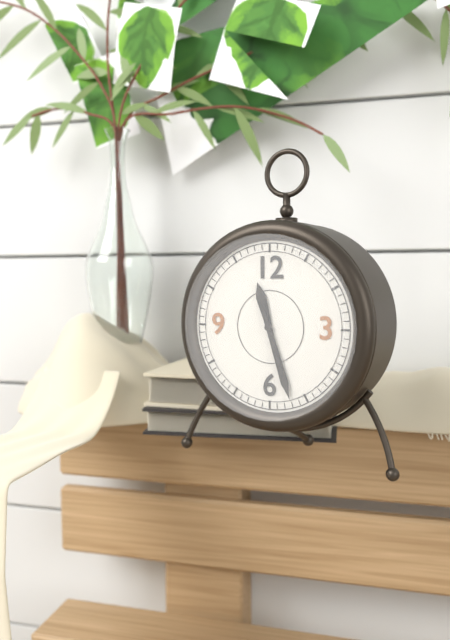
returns 11:27
